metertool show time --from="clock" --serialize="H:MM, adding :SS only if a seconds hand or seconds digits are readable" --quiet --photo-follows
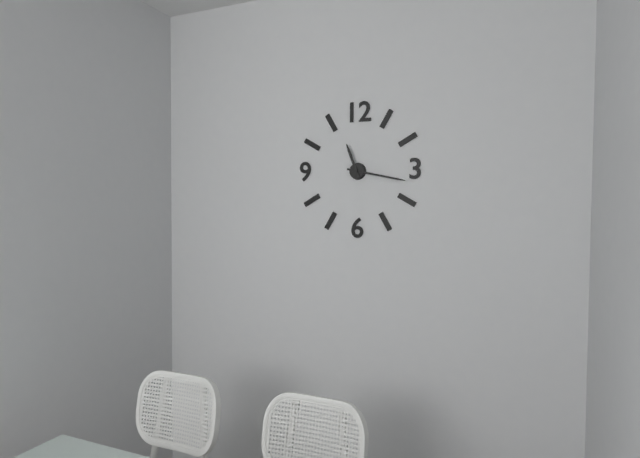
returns 11:17
